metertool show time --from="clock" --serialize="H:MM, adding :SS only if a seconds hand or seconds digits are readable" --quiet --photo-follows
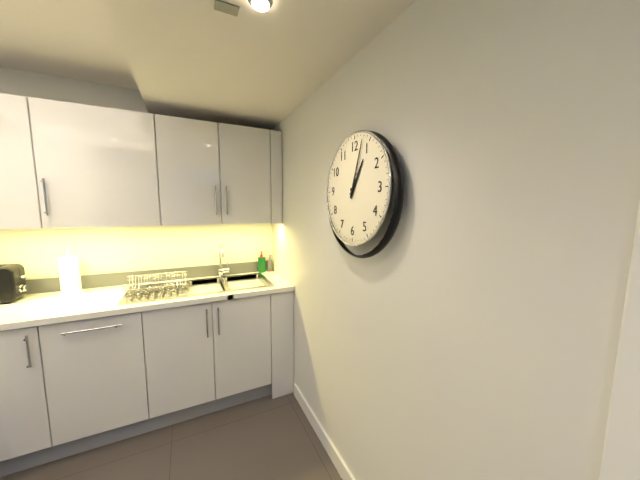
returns 1:03
